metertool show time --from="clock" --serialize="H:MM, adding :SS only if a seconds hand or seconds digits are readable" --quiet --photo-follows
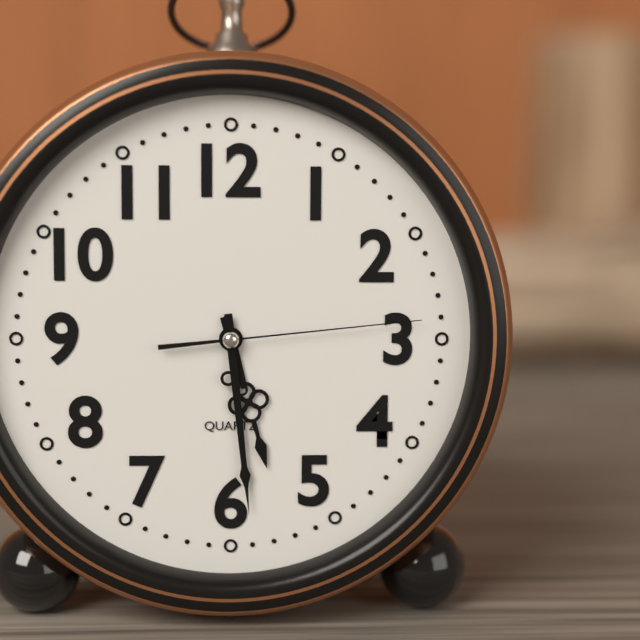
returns 5:29:14
